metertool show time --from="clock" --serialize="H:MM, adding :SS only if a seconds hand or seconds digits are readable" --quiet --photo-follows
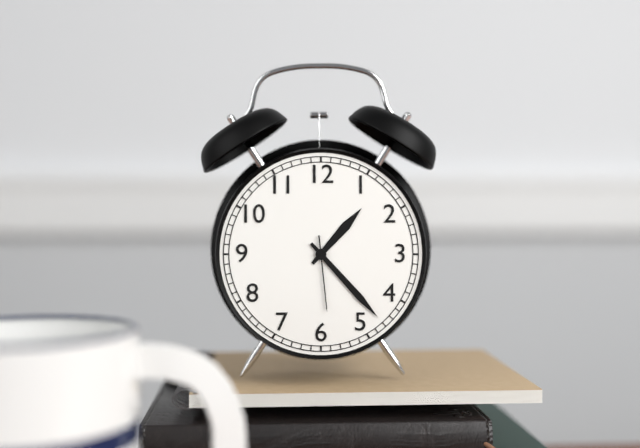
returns 1:23:29
